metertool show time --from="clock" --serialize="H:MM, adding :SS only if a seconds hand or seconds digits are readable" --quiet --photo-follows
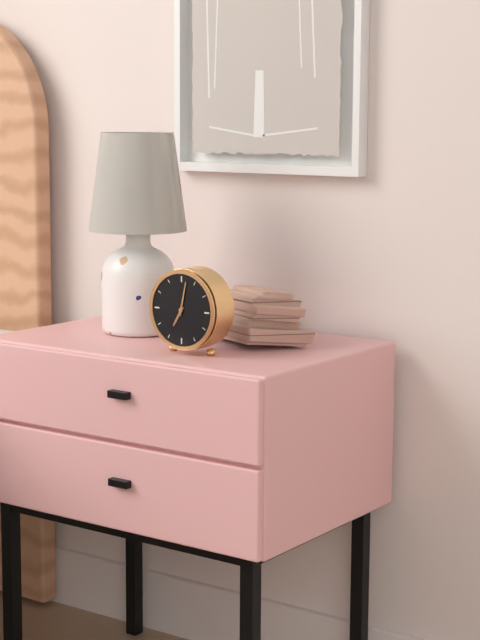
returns 7:02
